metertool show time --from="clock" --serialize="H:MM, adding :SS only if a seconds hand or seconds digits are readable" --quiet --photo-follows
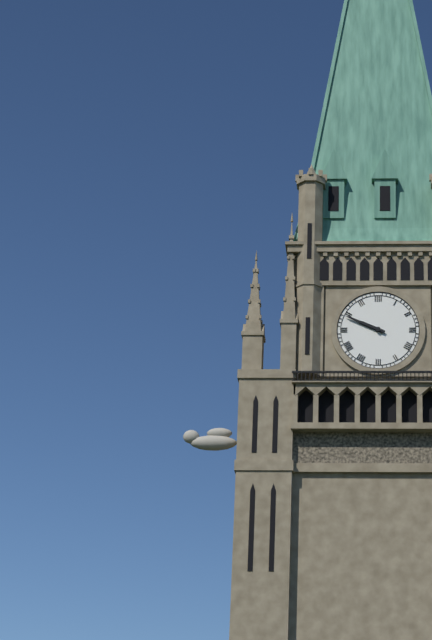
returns 9:49
